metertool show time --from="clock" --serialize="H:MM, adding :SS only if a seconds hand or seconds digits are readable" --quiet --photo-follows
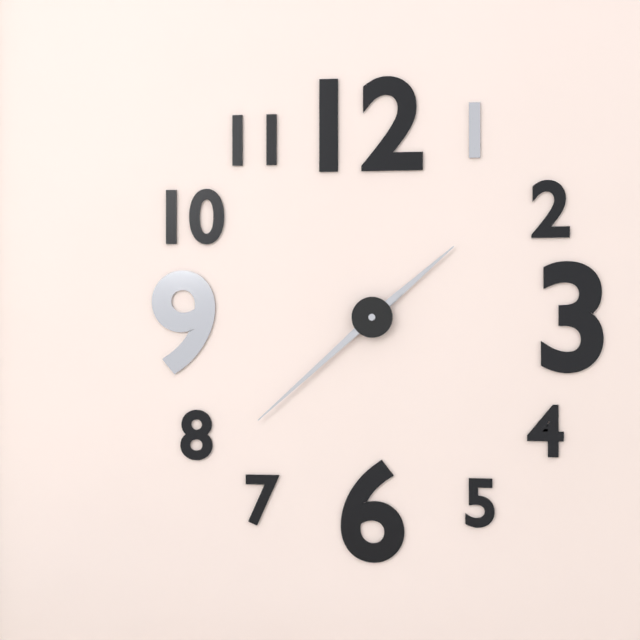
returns 1:38
